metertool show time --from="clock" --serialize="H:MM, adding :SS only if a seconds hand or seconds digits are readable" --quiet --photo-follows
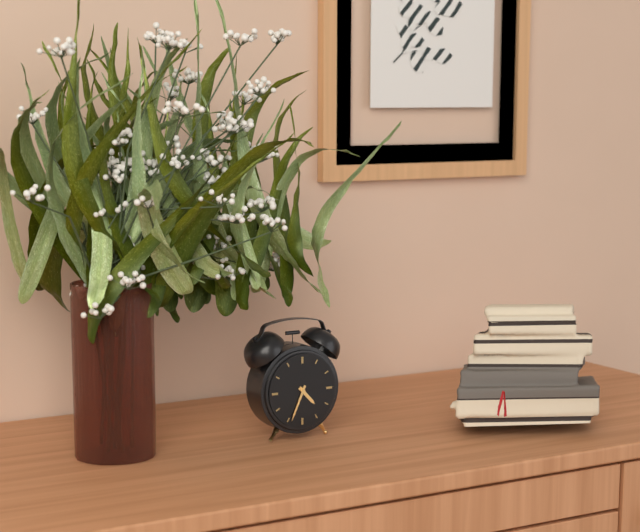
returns 4:34
